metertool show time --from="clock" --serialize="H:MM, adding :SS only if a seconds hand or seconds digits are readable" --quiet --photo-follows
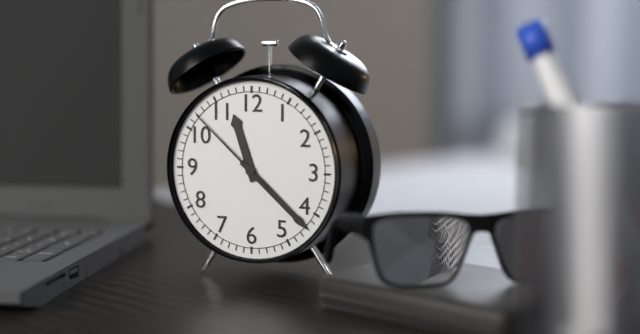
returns 11:22:52
